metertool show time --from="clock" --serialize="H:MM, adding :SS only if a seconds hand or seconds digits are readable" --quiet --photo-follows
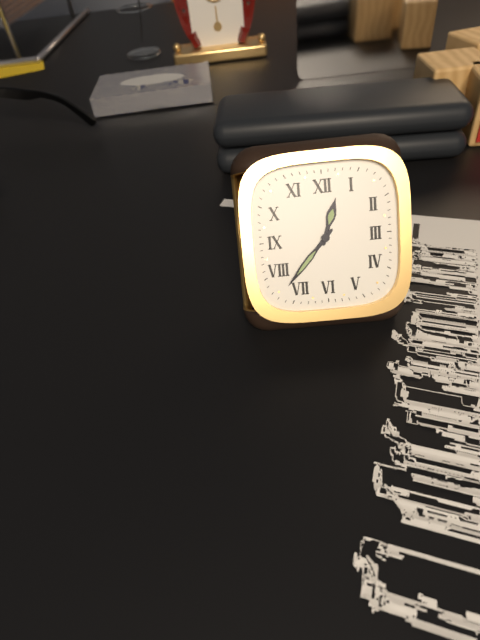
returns 12:37
